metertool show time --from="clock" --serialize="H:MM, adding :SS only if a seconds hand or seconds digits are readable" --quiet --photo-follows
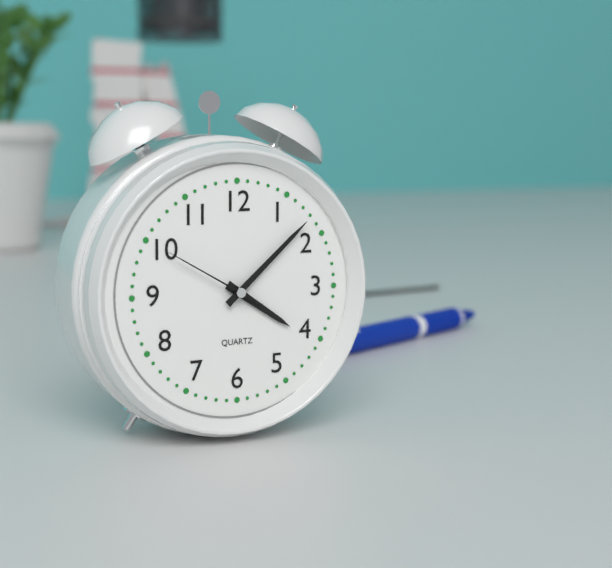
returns 4:08:50
